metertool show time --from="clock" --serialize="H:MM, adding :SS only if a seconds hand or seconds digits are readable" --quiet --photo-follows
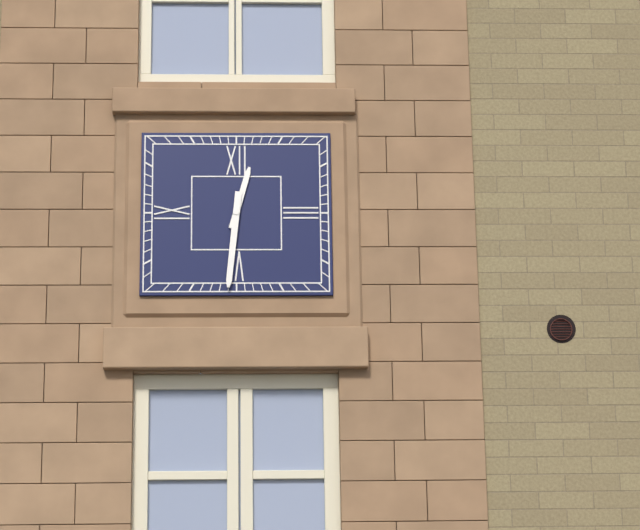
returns 12:31
